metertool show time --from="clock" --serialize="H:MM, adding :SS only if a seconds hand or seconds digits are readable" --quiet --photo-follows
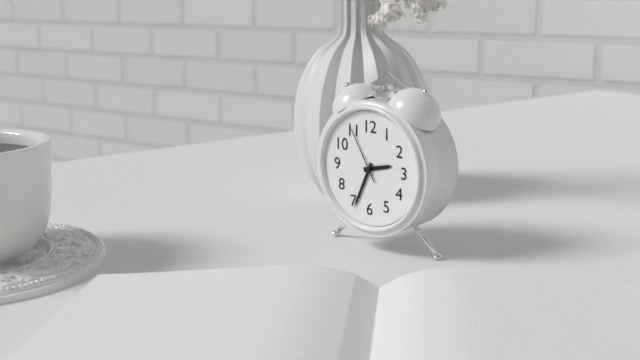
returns 2:34:55
